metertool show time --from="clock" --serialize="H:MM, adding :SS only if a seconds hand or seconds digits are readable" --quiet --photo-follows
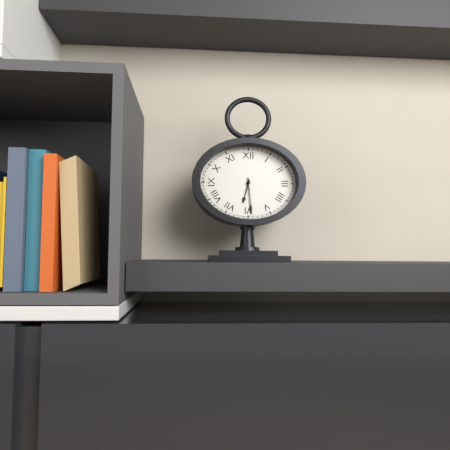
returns 6:29
